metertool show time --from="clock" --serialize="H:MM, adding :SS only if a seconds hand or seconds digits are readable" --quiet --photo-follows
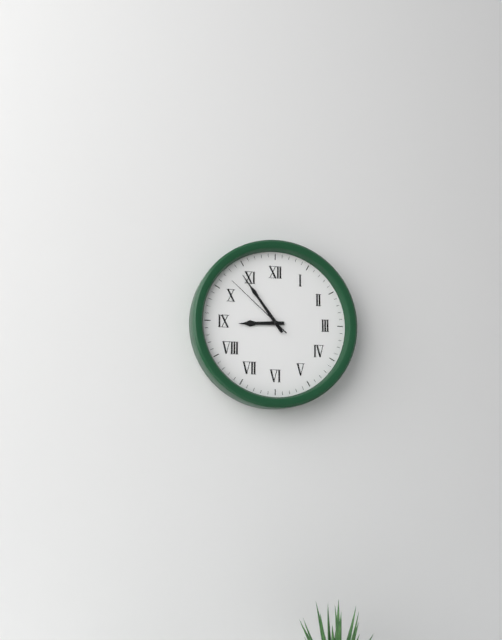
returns 8:54:52
